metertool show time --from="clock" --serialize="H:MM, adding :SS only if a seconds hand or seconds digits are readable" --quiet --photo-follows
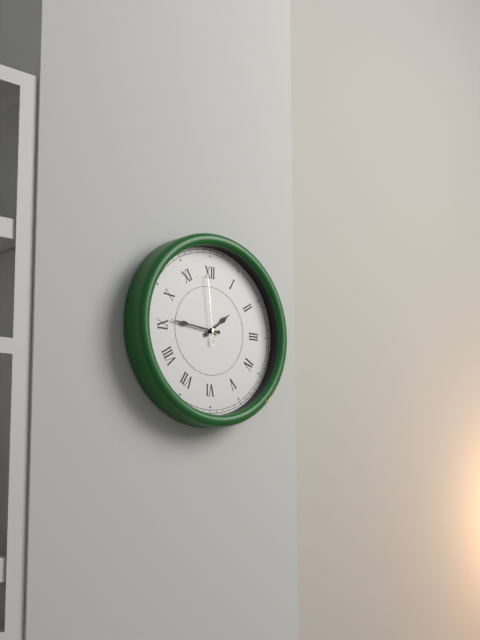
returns 1:46:59
